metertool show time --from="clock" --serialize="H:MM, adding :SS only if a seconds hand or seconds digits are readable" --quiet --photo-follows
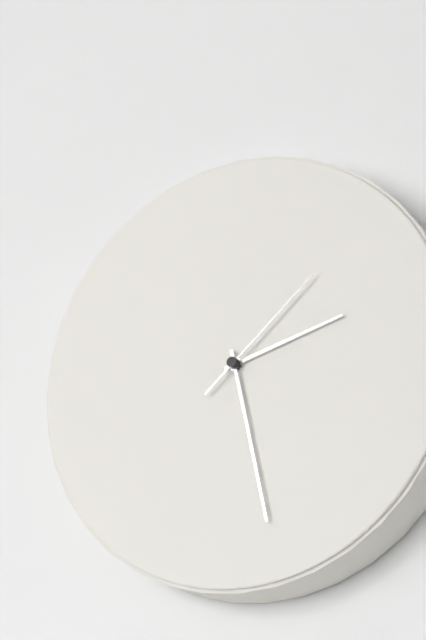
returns 2:28:08
